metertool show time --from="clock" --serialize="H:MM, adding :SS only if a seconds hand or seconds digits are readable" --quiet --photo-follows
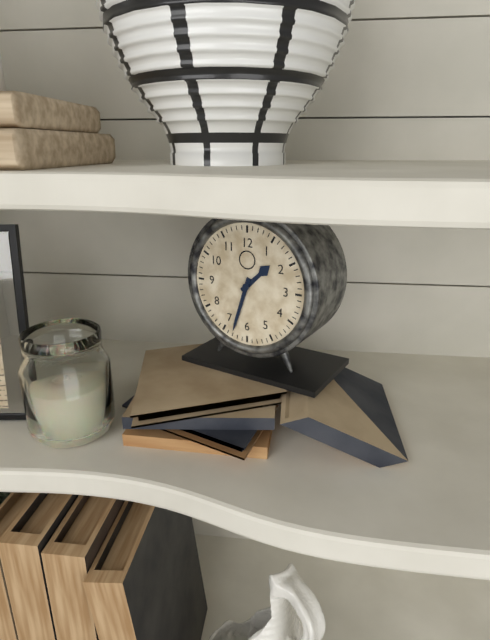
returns 1:33
